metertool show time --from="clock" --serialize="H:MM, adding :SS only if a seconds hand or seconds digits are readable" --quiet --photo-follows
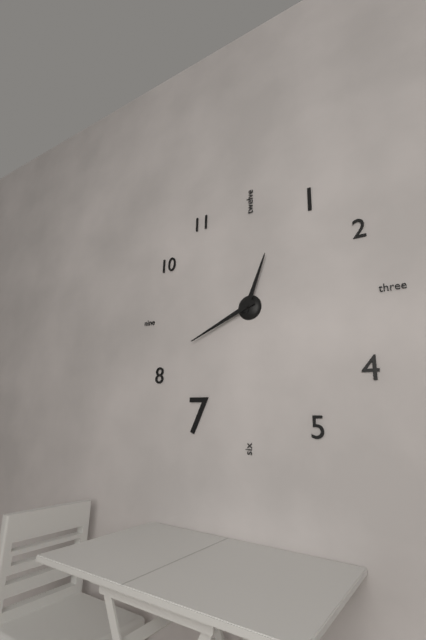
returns 12:41
